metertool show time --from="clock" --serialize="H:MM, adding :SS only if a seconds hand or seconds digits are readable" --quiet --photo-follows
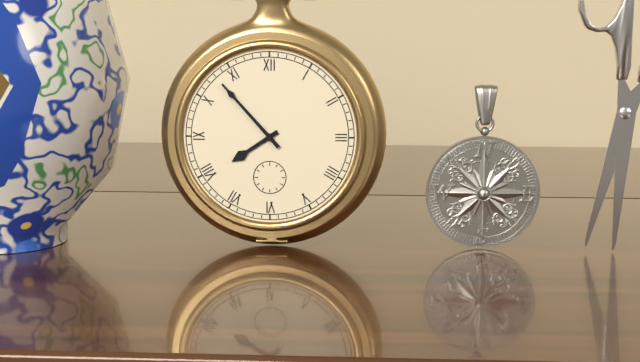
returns 7:53
